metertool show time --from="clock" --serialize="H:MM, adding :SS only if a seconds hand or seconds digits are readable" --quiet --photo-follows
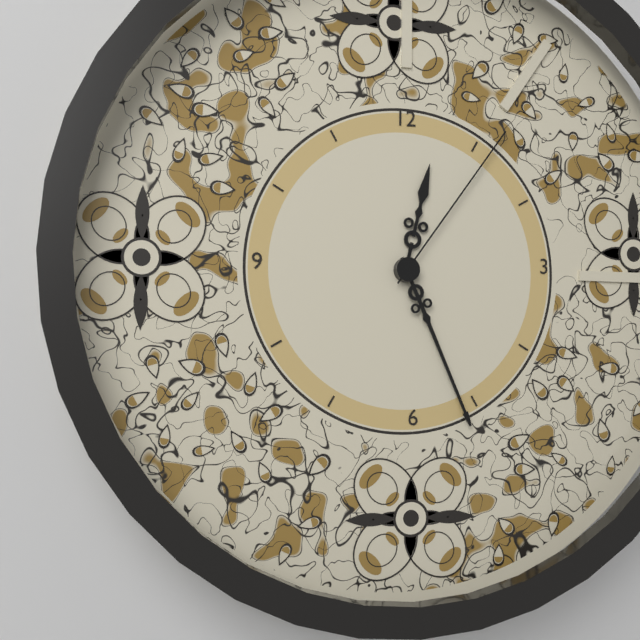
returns 12:26:06
